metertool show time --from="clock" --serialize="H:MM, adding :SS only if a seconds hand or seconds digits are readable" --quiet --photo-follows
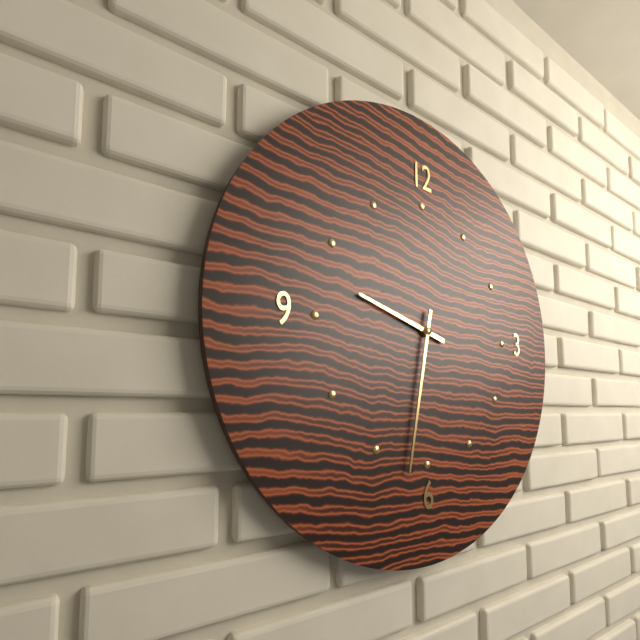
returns 9:32
